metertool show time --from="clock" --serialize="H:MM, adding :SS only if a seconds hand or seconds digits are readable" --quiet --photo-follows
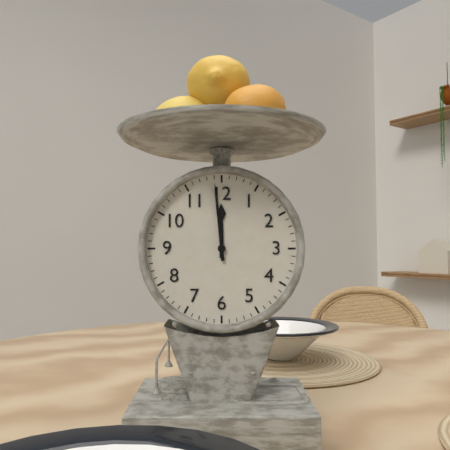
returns 11:59
